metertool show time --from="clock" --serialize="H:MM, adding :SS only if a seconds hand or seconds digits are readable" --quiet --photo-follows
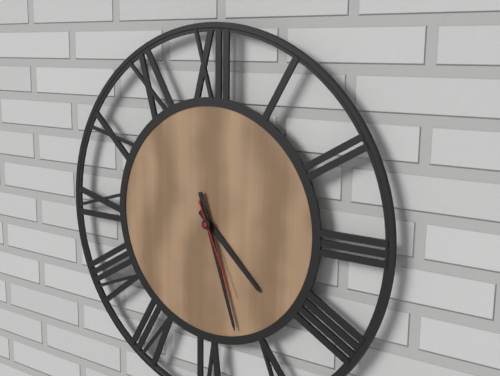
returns 4:27:26
